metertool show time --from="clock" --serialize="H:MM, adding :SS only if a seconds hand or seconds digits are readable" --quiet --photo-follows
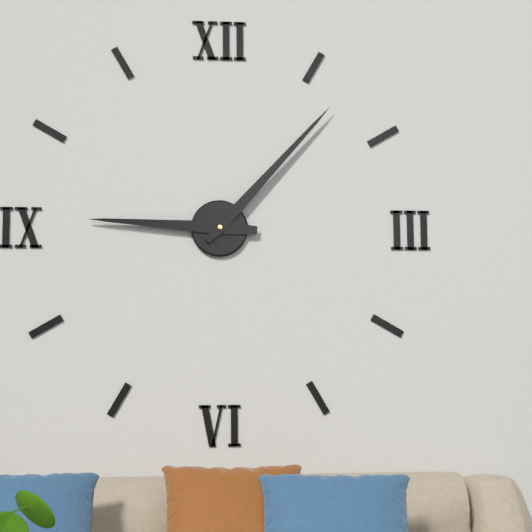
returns 9:07
